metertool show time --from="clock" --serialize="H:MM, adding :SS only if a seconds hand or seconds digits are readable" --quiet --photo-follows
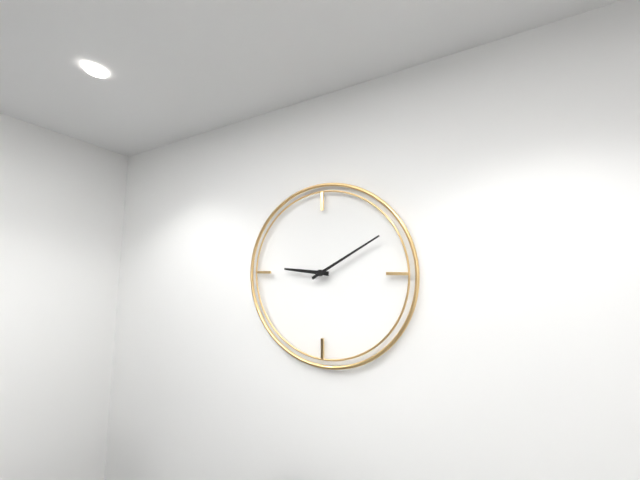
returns 9:10
